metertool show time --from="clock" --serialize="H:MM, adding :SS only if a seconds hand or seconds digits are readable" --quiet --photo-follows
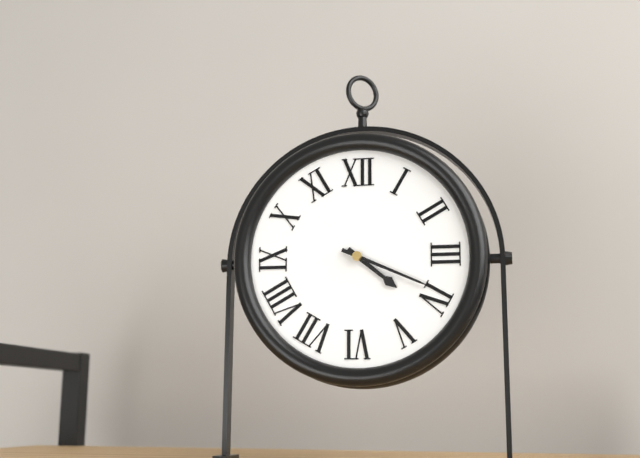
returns 4:19
